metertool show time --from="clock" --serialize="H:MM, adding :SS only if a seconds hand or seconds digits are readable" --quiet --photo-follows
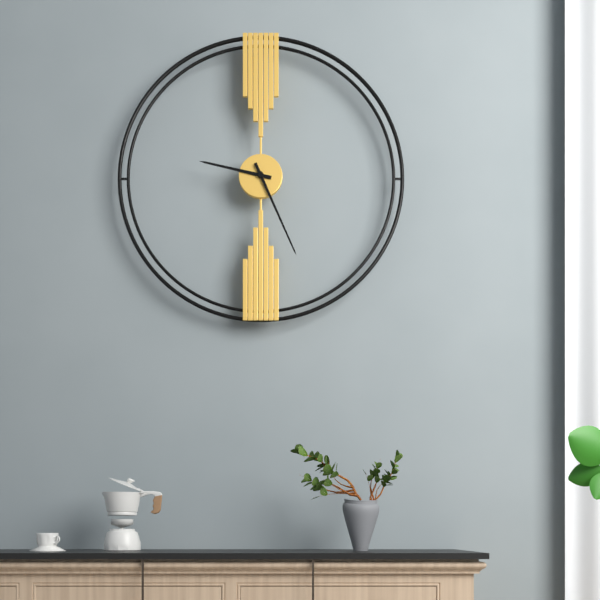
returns 9:26
